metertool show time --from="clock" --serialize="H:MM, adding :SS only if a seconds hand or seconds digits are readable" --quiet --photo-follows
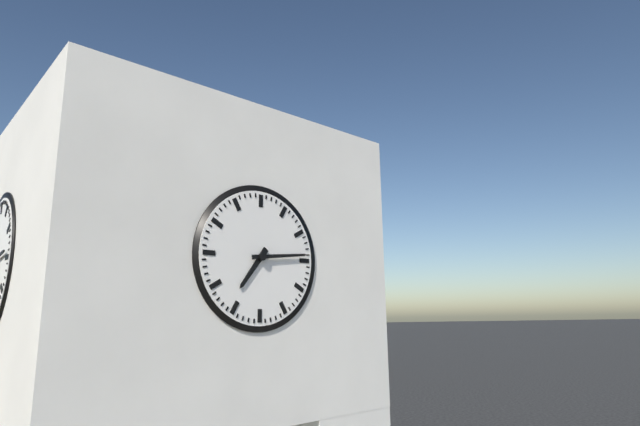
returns 7:14
